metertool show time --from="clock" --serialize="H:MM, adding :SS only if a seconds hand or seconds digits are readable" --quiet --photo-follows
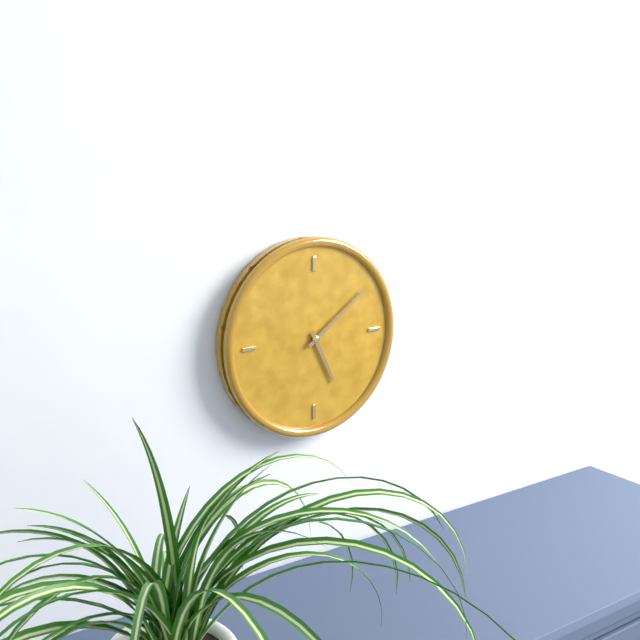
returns 5:09
